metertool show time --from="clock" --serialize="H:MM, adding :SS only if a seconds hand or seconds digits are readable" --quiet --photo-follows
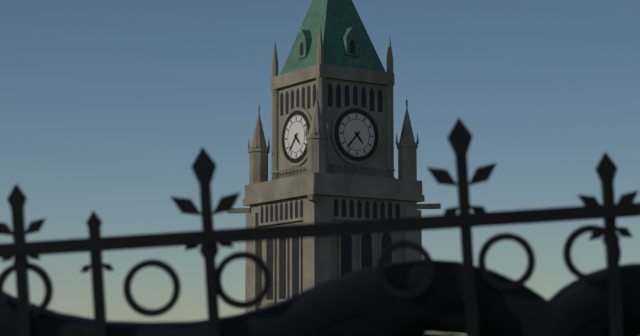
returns 4:37
